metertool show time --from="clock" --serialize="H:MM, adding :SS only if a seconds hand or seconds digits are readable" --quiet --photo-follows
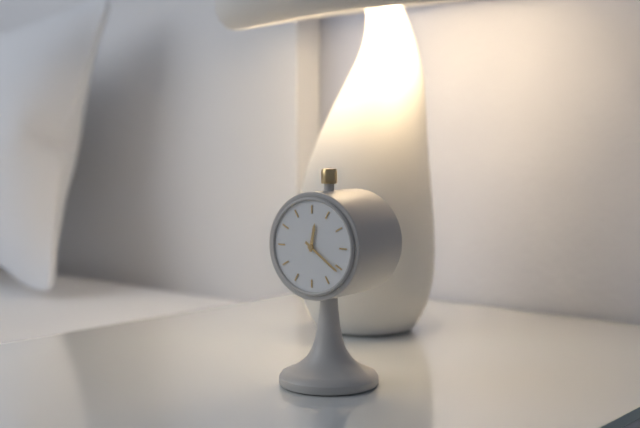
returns 12:21
